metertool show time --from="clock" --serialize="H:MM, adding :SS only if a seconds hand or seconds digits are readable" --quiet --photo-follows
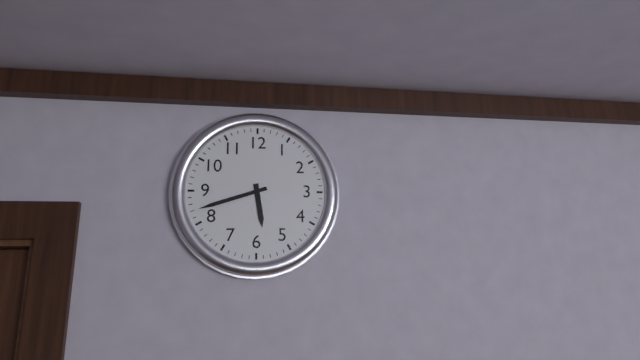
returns 5:42
